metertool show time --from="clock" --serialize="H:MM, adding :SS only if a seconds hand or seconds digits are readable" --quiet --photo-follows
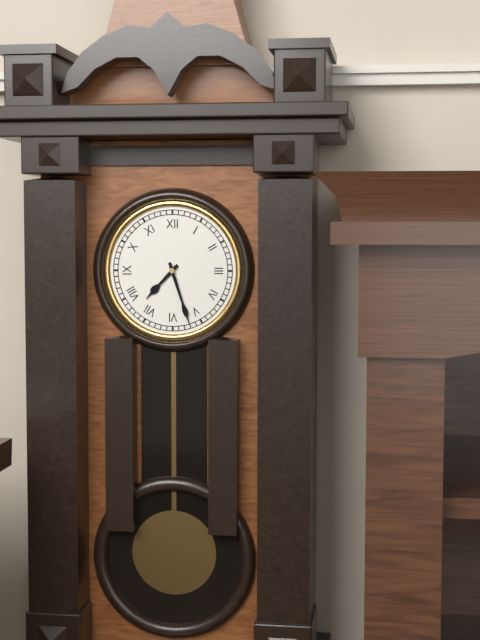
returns 7:27
